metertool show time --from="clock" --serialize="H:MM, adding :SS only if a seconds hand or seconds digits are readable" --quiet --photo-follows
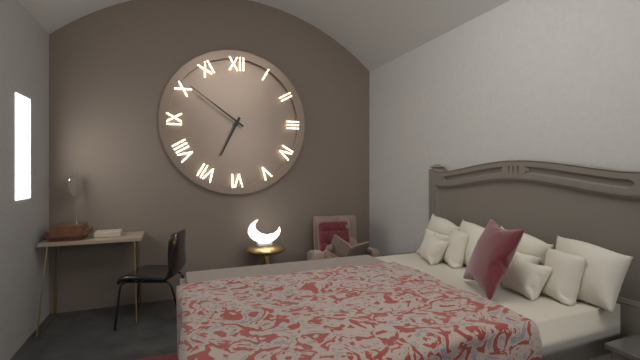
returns 6:51
